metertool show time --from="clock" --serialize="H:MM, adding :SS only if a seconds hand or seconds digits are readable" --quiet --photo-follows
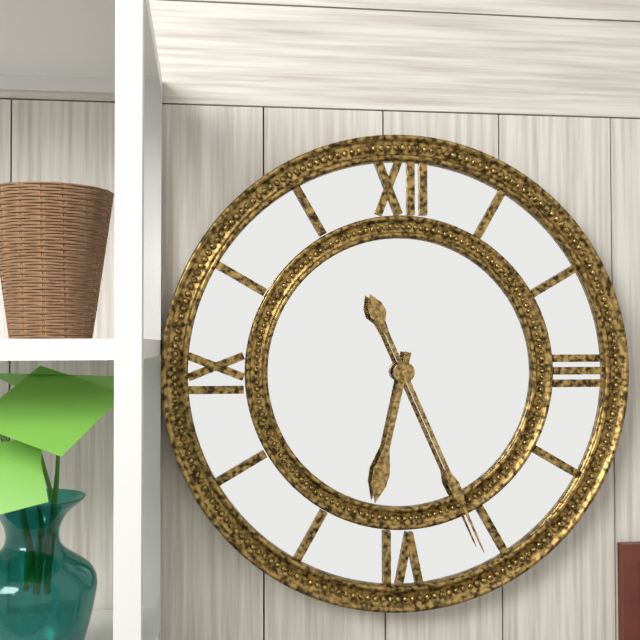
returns 6:26
